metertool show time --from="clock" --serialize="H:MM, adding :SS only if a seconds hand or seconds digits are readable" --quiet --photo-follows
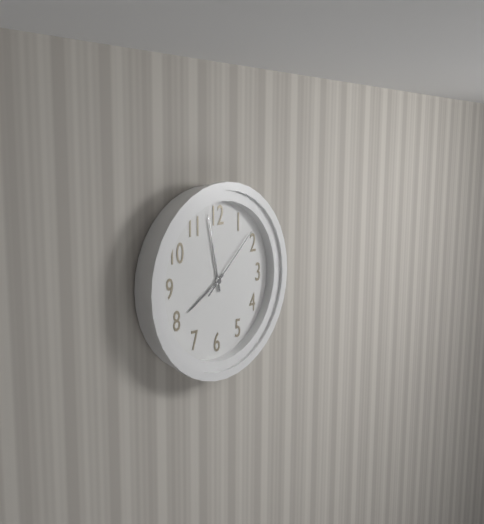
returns 7:58:08
